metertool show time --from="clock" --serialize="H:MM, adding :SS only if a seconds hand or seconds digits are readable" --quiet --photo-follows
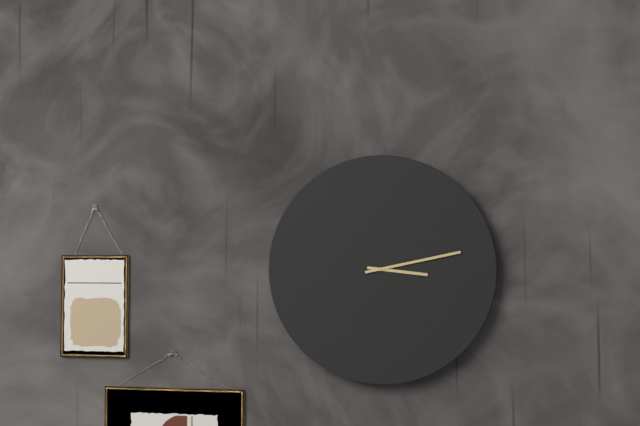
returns 3:13
